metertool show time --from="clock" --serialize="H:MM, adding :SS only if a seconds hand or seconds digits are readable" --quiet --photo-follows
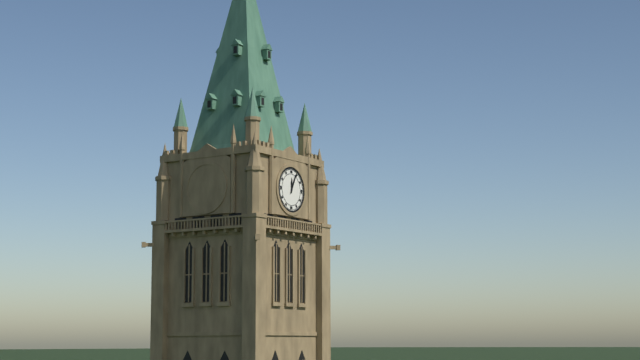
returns 12:04
